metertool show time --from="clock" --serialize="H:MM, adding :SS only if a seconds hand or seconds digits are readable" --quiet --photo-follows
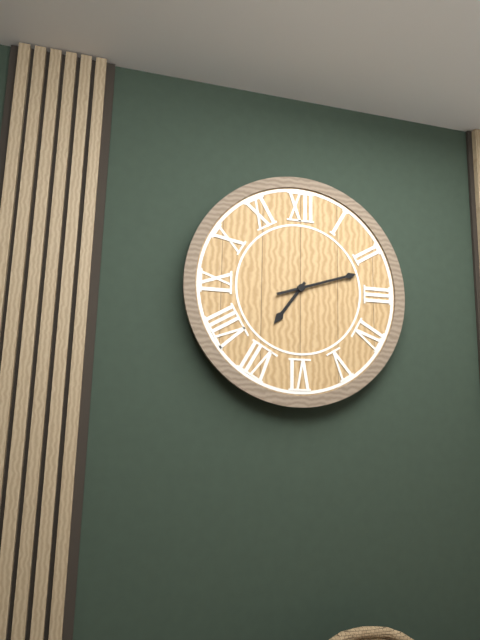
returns 7:12
